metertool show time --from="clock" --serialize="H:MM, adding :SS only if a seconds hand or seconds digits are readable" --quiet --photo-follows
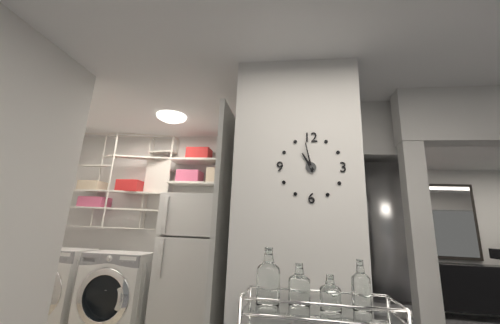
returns 10:58
